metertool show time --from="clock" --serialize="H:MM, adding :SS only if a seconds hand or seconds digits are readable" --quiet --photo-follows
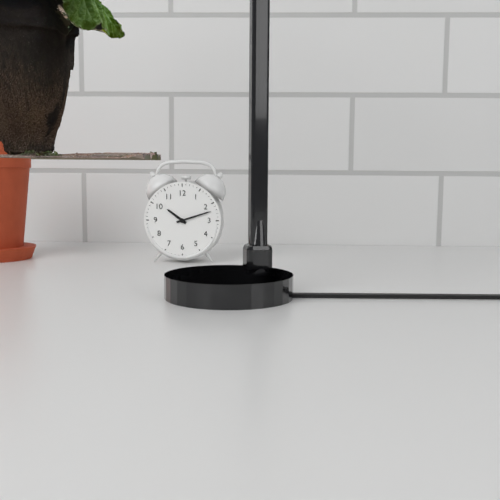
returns 10:12
